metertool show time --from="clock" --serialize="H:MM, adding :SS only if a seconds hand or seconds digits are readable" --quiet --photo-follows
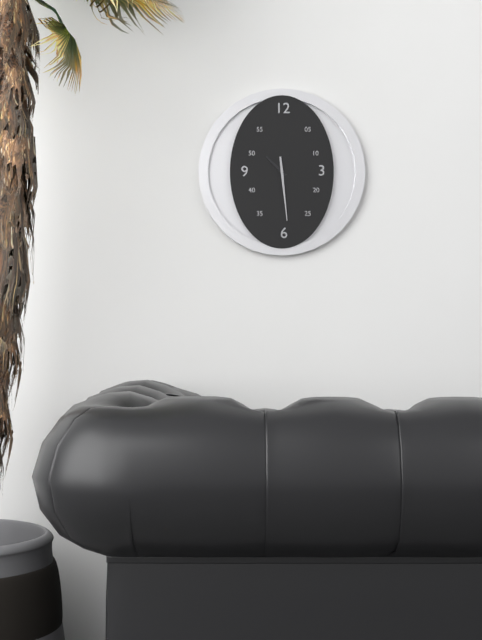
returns 10:29
